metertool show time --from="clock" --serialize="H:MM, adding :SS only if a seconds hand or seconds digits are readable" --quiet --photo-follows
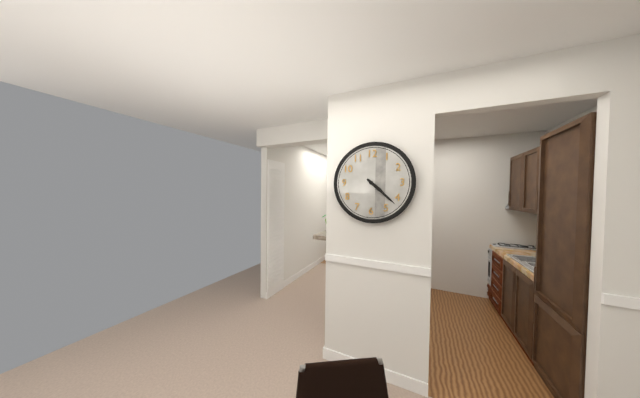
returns 4:22
